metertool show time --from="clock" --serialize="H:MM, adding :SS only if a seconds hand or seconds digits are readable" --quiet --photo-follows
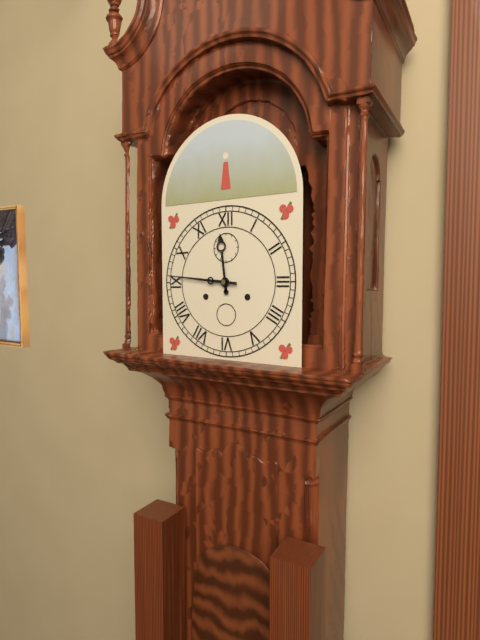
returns 11:46
